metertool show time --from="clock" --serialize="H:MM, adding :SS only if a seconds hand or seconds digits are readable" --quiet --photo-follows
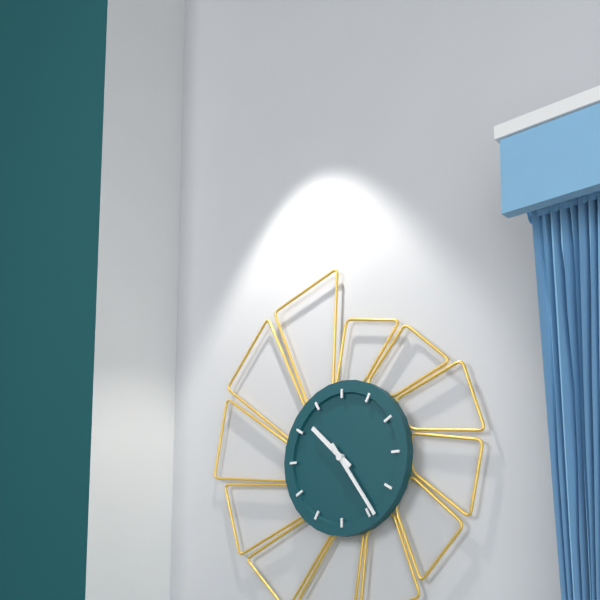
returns 10:24
